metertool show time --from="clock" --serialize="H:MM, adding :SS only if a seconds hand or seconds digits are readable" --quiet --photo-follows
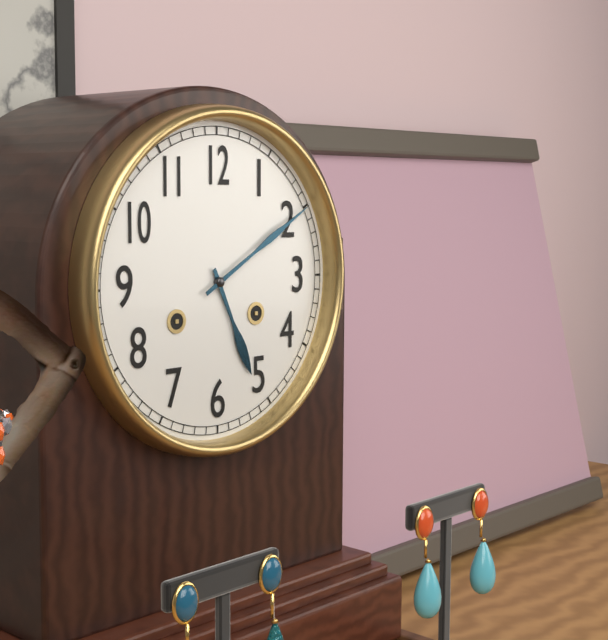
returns 5:10
